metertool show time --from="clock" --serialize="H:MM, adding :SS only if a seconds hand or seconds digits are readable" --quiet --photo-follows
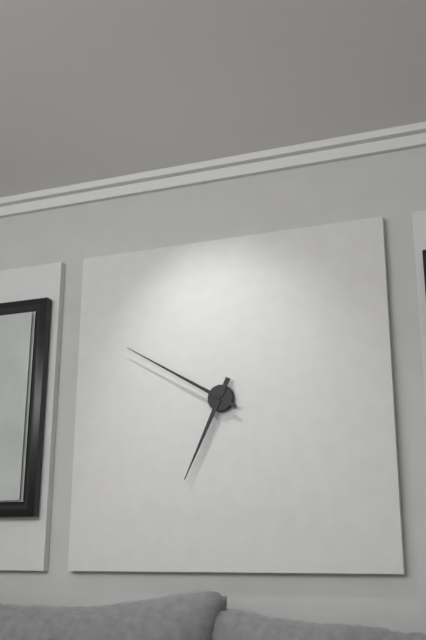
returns 6:50
